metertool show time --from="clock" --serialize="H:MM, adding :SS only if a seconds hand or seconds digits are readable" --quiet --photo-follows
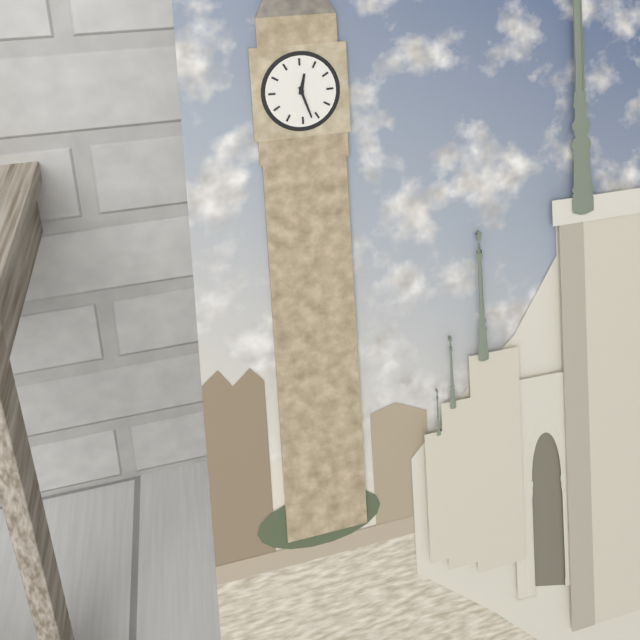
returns 12:27
